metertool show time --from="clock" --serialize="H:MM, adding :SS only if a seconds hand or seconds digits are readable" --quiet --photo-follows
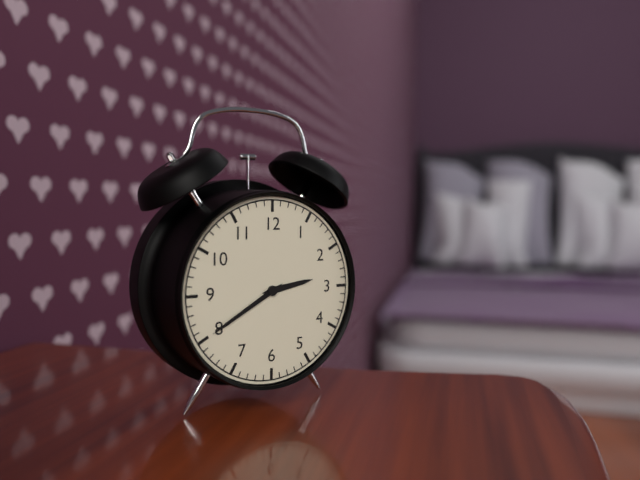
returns 2:40
